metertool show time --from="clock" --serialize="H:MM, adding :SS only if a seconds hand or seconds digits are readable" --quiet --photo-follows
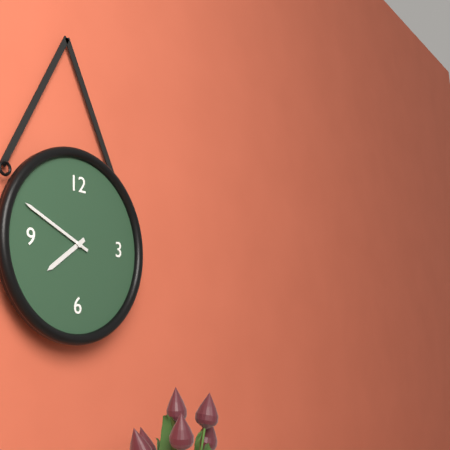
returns 7:49
